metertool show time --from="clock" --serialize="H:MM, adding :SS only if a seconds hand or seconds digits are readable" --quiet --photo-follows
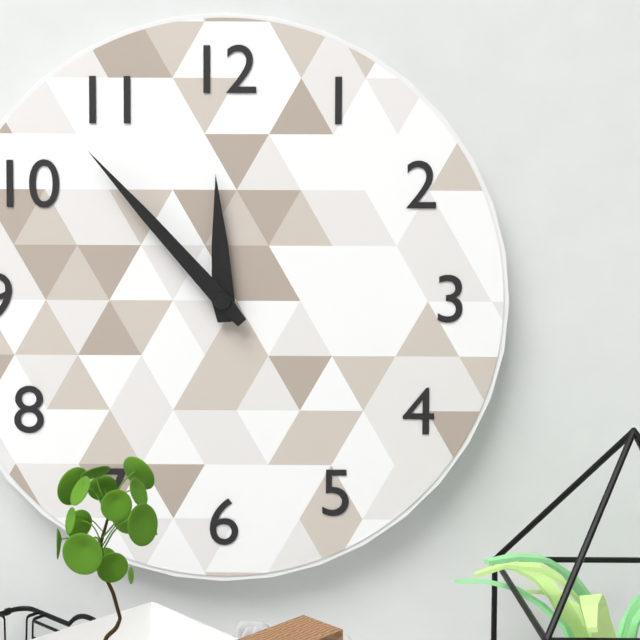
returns 11:53
